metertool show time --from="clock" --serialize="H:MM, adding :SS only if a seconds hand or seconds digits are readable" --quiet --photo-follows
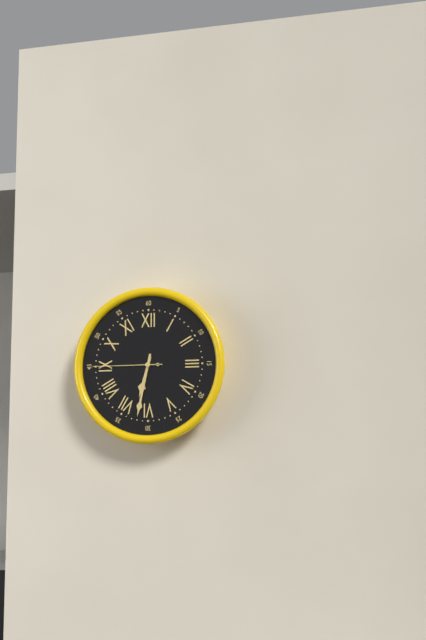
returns 6:32:45
